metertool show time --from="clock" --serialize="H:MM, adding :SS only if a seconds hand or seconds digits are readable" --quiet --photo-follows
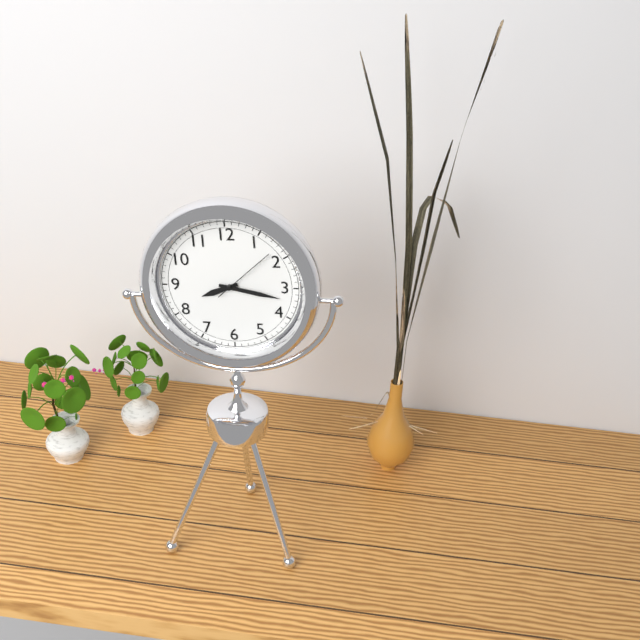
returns 8:17:08
